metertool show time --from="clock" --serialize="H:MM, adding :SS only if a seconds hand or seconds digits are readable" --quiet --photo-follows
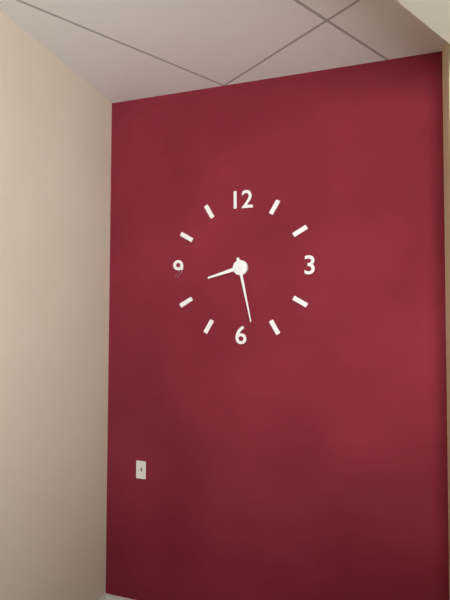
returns 8:28
